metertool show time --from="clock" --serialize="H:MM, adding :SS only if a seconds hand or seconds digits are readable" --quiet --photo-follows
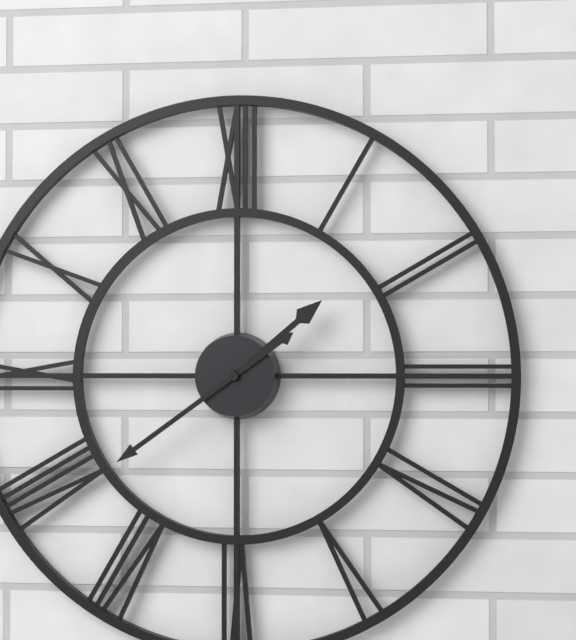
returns 1:39
